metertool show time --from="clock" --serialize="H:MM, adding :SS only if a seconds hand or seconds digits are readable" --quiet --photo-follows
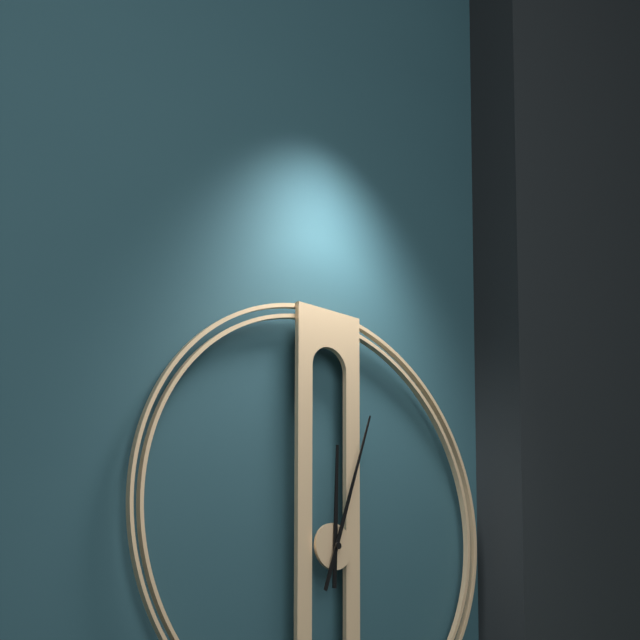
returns 12:03
